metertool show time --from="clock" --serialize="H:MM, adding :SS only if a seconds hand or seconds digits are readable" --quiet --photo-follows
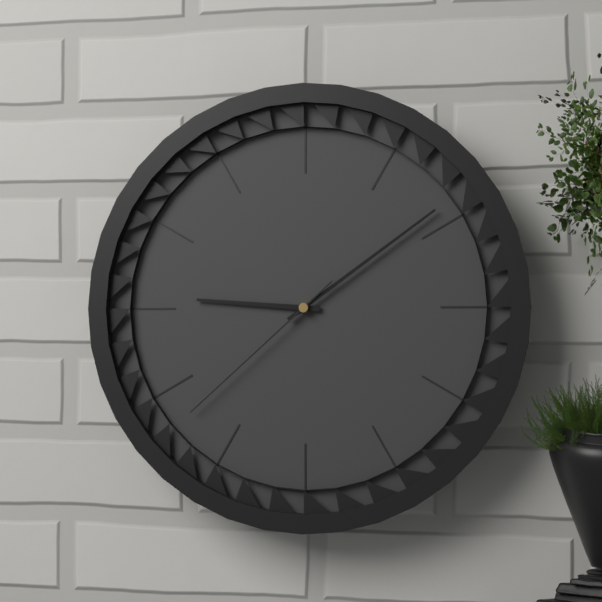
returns 9:09:38
